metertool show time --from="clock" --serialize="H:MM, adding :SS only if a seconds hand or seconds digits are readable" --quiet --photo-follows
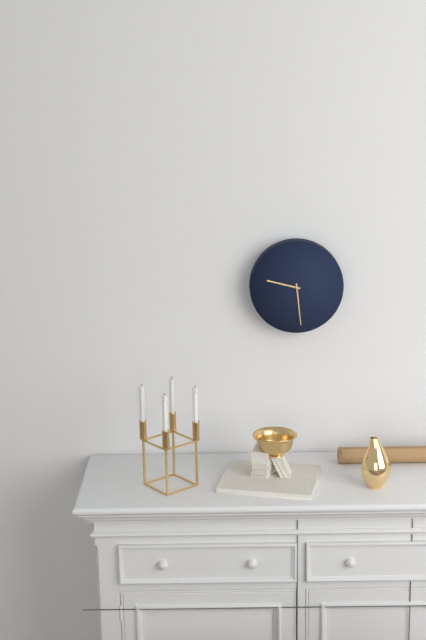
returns 9:29
